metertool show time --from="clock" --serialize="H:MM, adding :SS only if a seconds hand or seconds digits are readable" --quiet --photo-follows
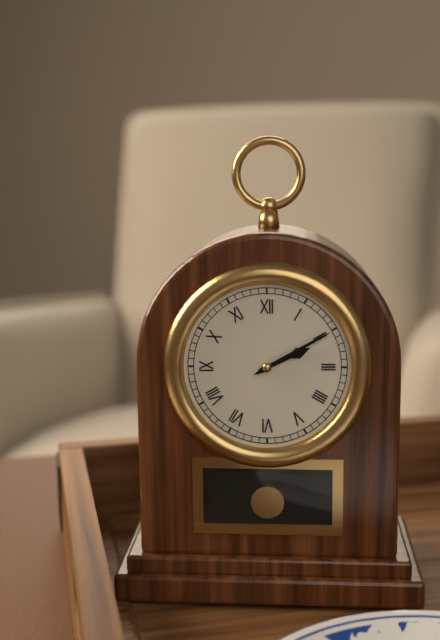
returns 2:10
